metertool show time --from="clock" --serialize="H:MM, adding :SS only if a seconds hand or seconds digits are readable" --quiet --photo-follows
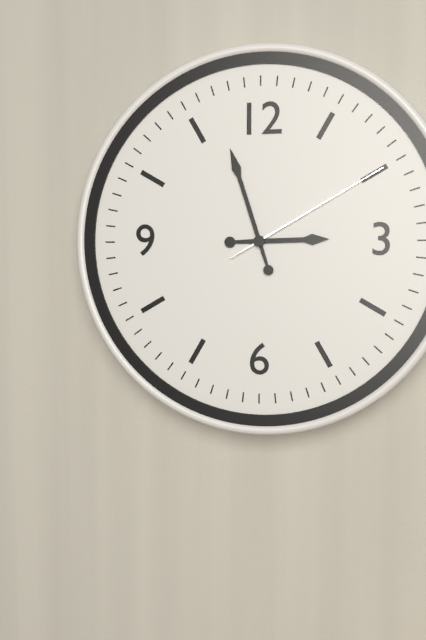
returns 2:57:10
